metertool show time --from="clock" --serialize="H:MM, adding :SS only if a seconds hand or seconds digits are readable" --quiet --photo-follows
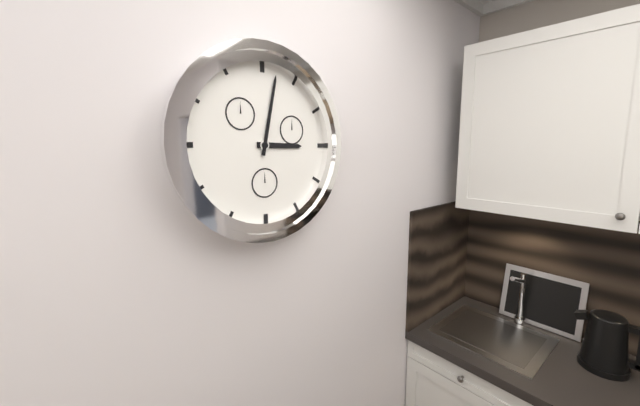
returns 3:02
